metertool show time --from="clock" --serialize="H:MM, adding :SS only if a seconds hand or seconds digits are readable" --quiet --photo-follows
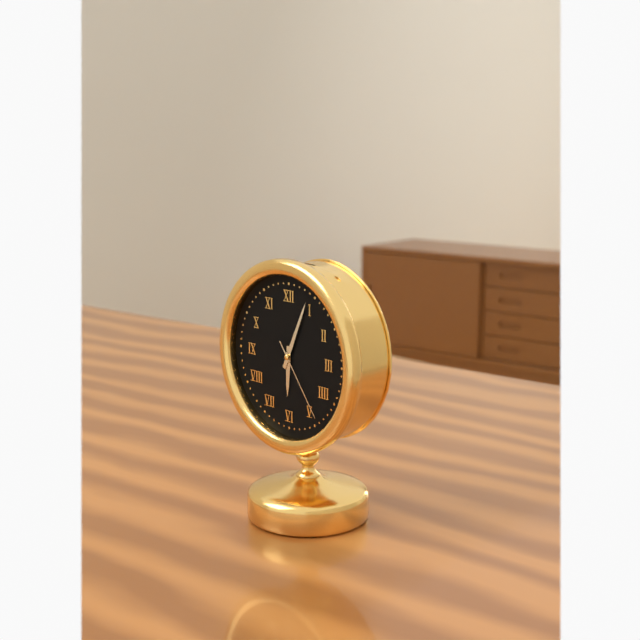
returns 6:04:24
